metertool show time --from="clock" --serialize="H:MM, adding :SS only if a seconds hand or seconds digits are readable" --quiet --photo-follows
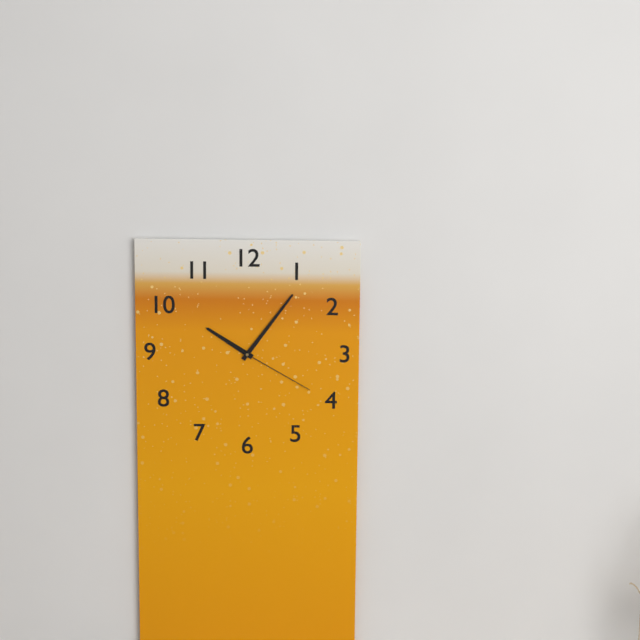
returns 10:06:20
